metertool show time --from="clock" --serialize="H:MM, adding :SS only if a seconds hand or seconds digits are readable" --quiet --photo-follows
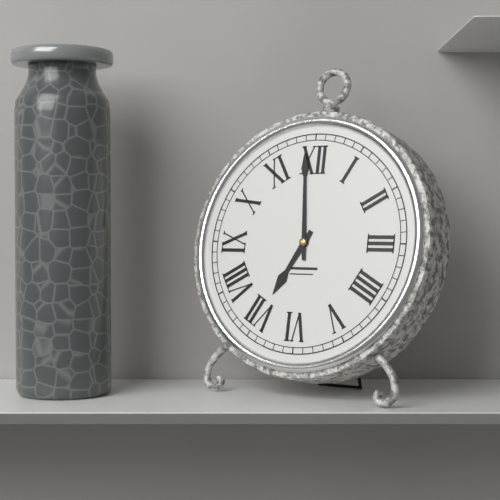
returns 6:59
